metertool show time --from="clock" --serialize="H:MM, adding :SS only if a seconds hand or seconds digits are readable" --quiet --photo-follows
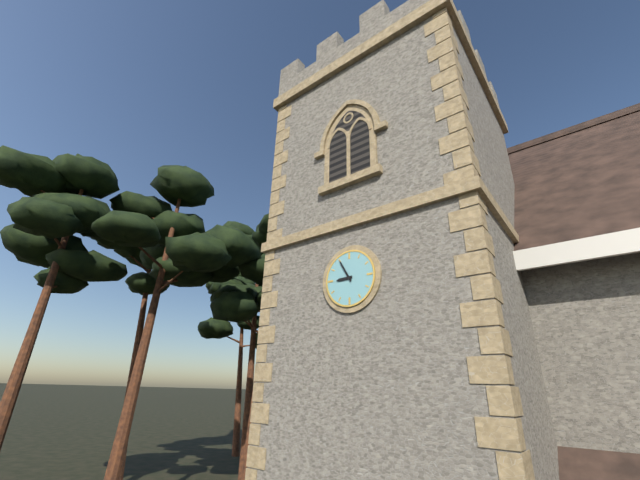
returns 8:55
